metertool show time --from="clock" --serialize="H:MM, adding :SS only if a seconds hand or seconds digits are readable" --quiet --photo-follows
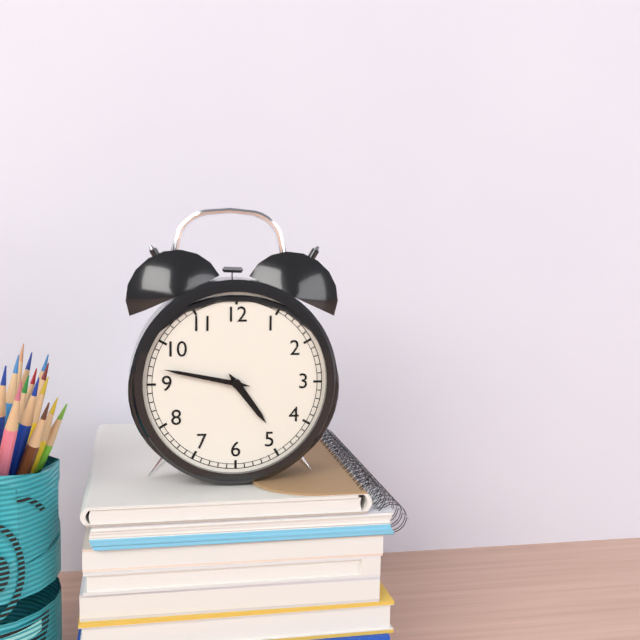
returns 4:47
